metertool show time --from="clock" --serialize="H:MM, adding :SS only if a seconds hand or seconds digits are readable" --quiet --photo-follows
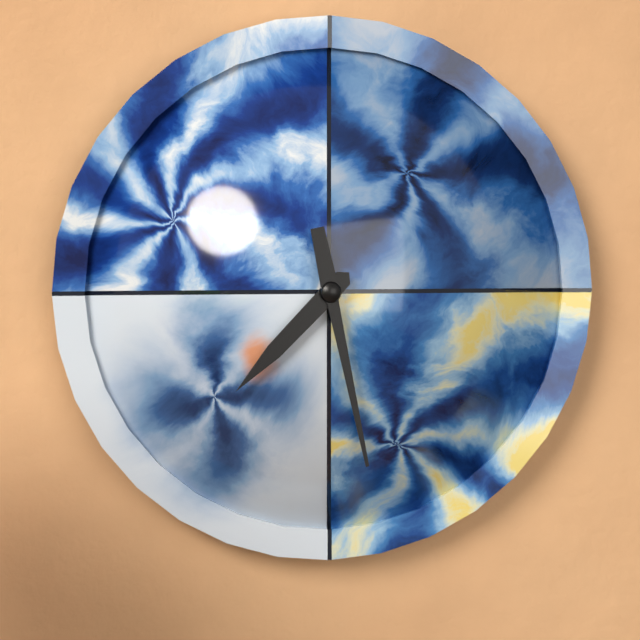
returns 7:28
